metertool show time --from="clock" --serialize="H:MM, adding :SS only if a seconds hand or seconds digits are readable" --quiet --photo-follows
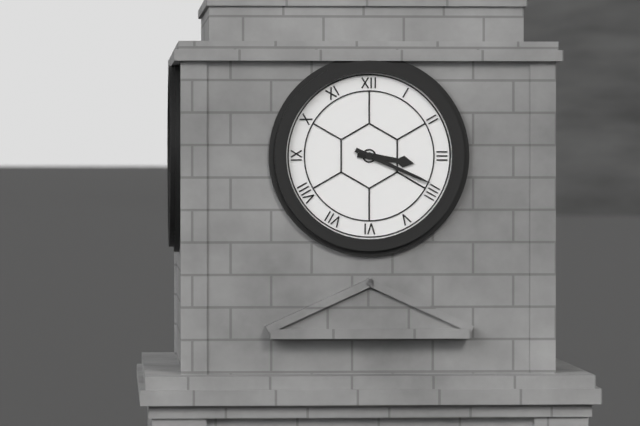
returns 3:19
